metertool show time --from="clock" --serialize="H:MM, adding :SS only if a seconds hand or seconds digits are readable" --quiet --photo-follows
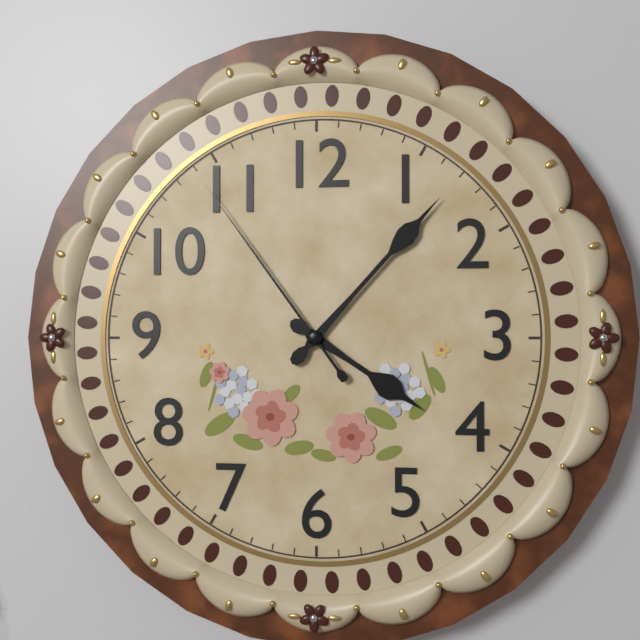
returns 4:07:54
